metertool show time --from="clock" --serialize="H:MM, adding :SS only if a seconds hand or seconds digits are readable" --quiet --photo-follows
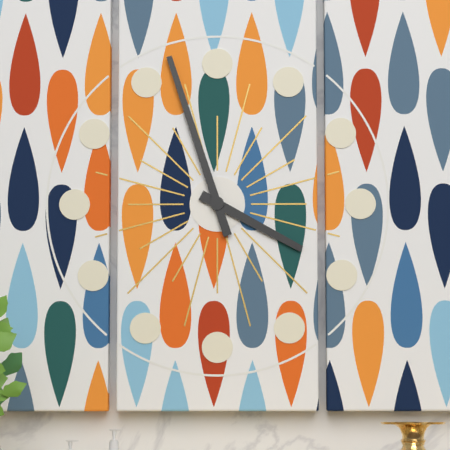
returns 3:57
